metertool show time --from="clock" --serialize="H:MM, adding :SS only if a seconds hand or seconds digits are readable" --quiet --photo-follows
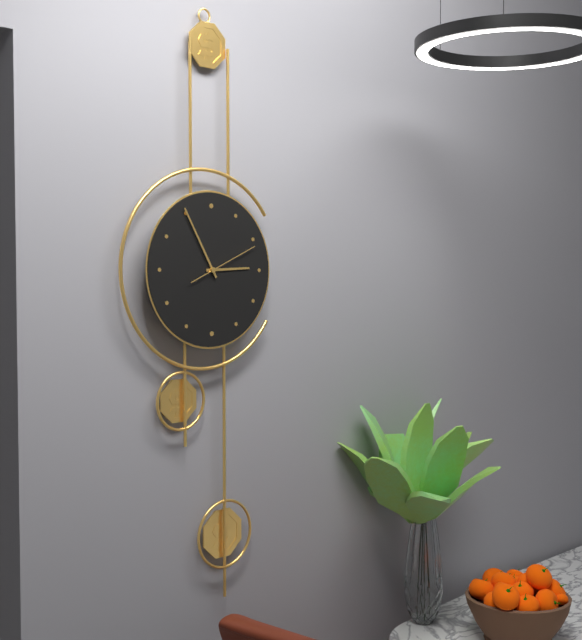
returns 2:55:11
